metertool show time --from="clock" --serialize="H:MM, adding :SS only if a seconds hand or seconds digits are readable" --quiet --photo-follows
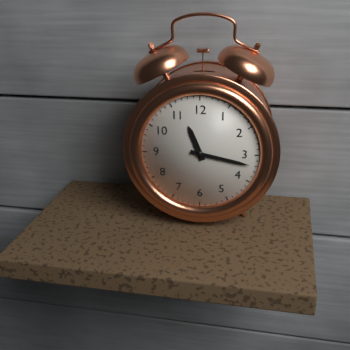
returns 11:17
